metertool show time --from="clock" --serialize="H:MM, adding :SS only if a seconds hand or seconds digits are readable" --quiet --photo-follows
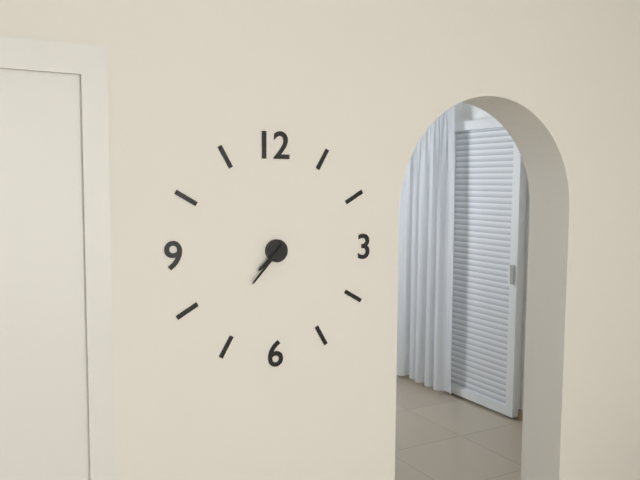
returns 7:37
